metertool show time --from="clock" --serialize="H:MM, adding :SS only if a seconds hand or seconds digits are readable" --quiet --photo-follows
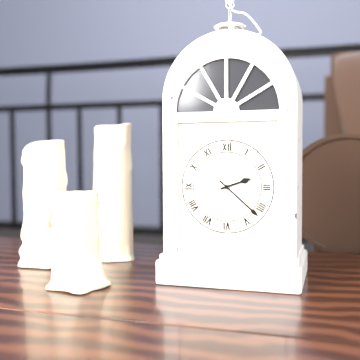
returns 2:22
